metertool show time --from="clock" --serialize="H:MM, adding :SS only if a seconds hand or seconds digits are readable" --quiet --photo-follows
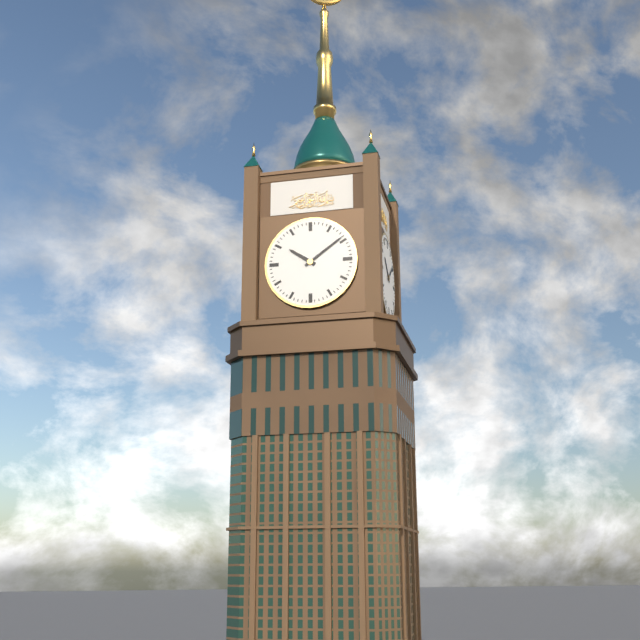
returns 10:09
